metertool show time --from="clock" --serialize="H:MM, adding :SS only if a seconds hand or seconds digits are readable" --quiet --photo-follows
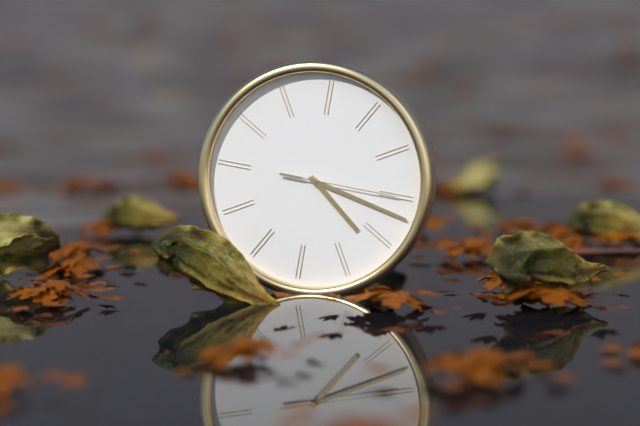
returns 4:17:15
